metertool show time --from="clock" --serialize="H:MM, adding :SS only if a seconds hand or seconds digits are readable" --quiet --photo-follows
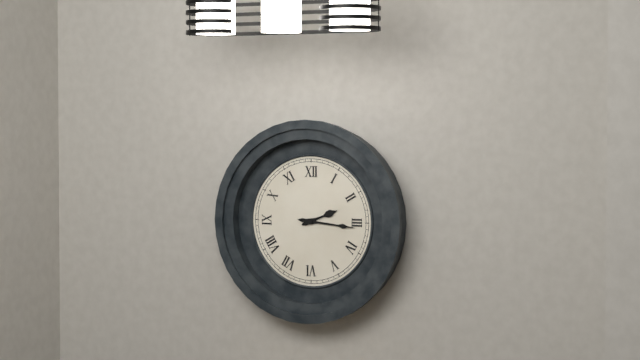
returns 2:16
